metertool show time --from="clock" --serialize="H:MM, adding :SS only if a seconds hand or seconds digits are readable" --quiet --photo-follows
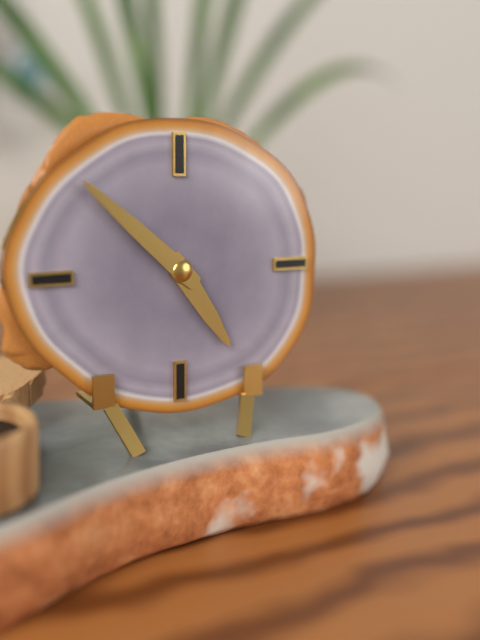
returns 4:52
